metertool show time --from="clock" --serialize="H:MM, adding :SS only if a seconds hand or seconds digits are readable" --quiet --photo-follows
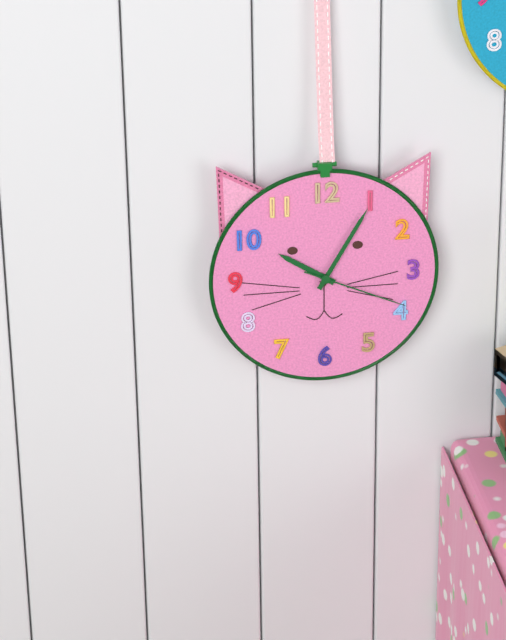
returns 10:05:19
